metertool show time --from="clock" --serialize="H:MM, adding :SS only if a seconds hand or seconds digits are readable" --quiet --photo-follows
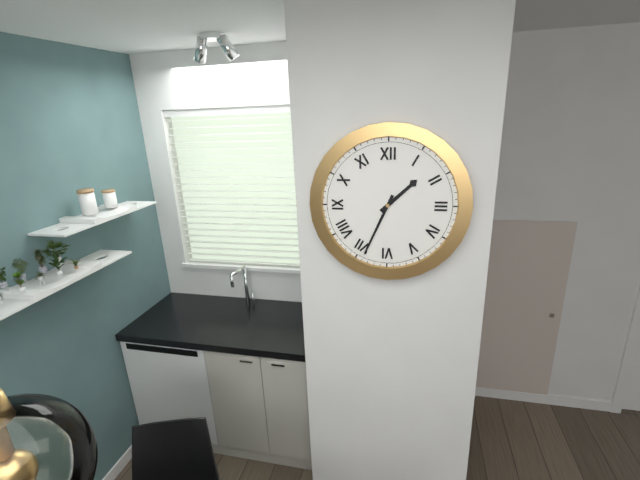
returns 1:34
